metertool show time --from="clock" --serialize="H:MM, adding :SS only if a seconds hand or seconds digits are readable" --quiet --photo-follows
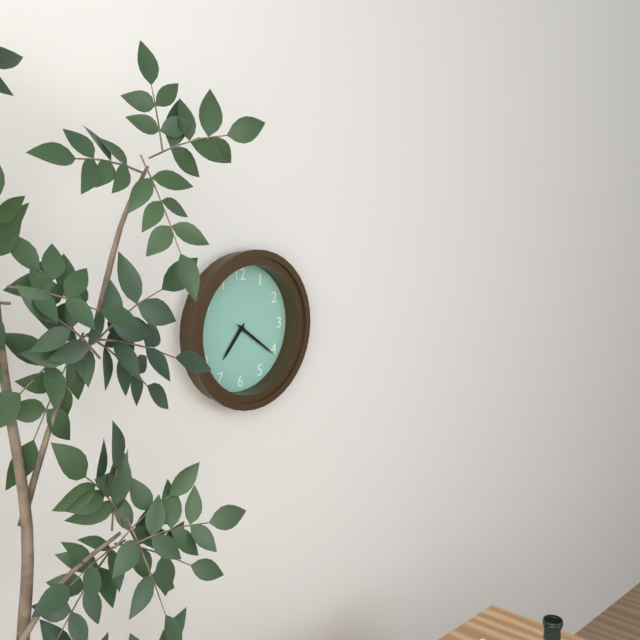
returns 7:21
